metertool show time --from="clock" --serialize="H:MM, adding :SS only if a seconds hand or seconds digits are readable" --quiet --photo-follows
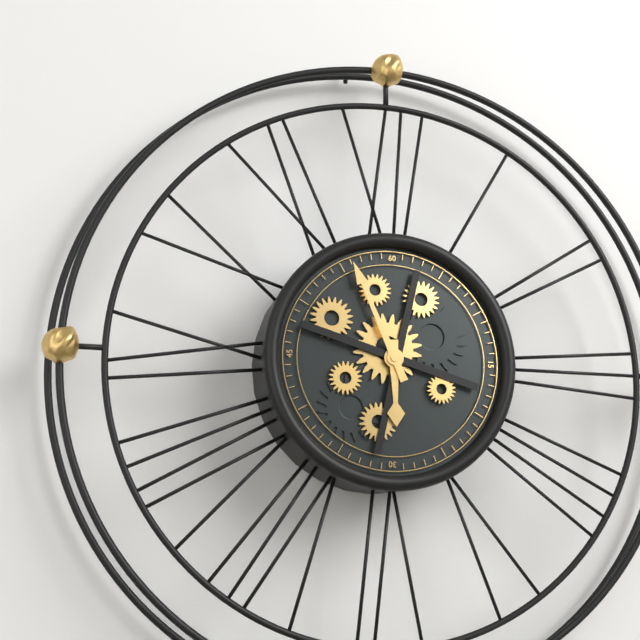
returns 5:56
